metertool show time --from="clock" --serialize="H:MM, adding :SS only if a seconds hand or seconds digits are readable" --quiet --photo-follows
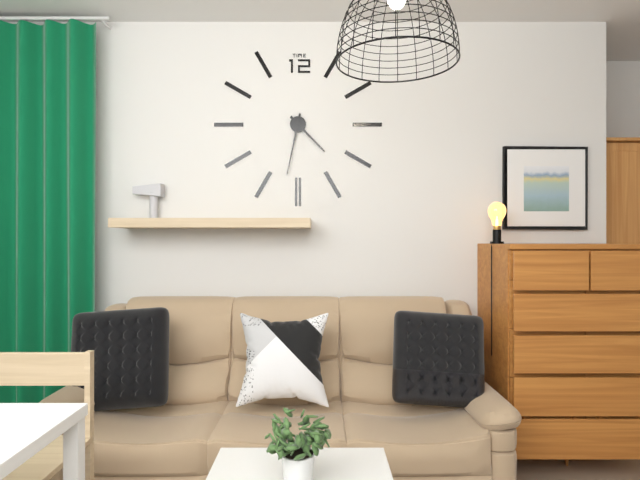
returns 4:32
